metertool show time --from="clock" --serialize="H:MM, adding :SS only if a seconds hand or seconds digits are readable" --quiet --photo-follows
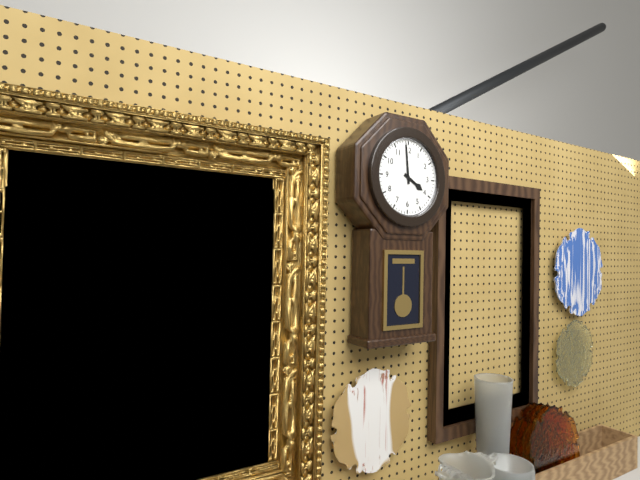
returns 3:59
